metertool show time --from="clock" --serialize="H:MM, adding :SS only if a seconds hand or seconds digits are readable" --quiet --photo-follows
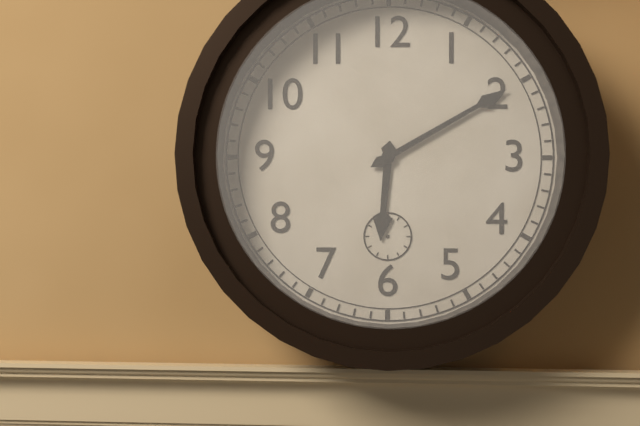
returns 6:10
